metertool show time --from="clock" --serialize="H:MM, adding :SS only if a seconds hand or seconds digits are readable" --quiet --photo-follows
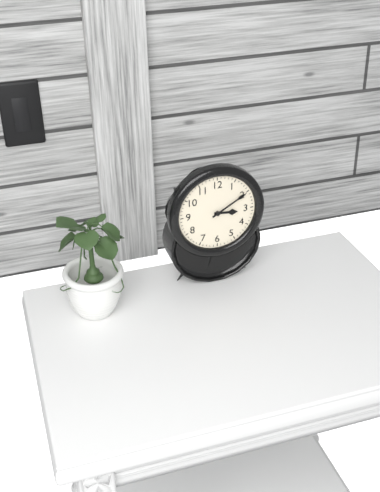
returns 3:10
